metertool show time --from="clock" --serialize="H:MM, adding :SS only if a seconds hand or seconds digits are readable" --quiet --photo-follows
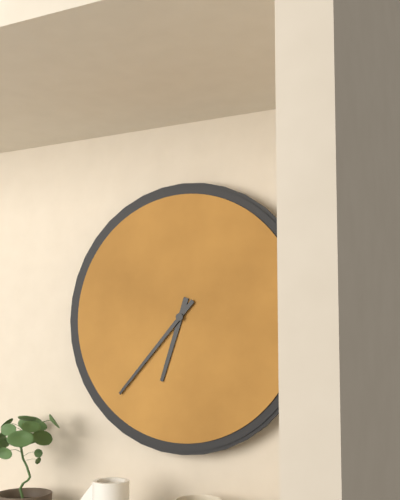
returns 6:37
